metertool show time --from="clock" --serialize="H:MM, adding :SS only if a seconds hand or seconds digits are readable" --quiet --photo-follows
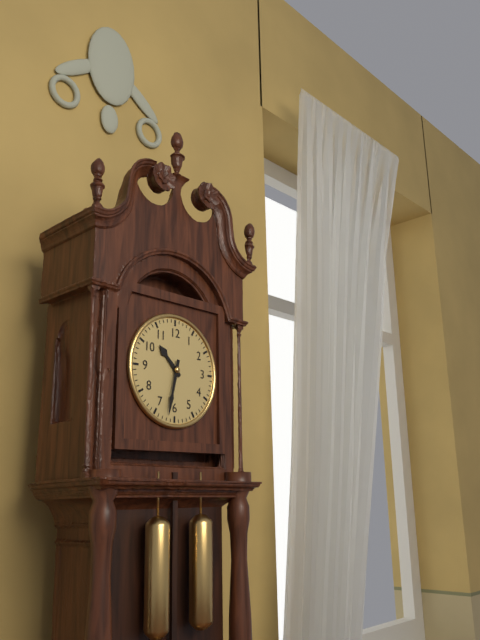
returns 10:32
